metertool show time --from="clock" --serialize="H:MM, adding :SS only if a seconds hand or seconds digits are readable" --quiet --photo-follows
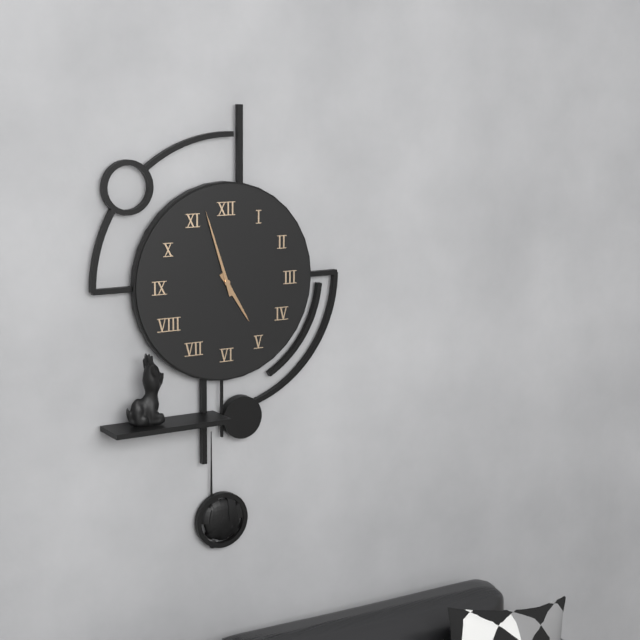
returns 4:57
